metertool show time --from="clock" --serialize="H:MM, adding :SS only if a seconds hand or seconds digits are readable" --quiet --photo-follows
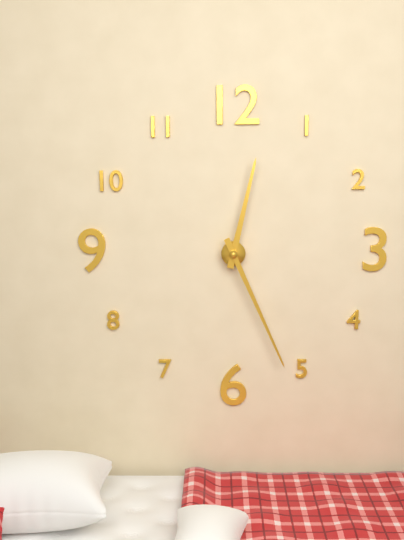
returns 12:26
